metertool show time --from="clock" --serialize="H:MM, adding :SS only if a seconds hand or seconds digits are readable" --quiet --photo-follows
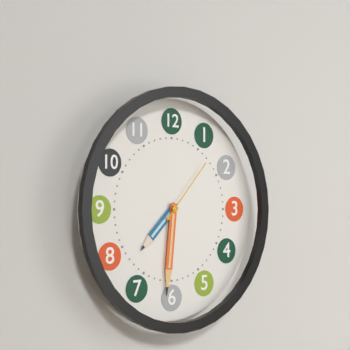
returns 7:31:07
